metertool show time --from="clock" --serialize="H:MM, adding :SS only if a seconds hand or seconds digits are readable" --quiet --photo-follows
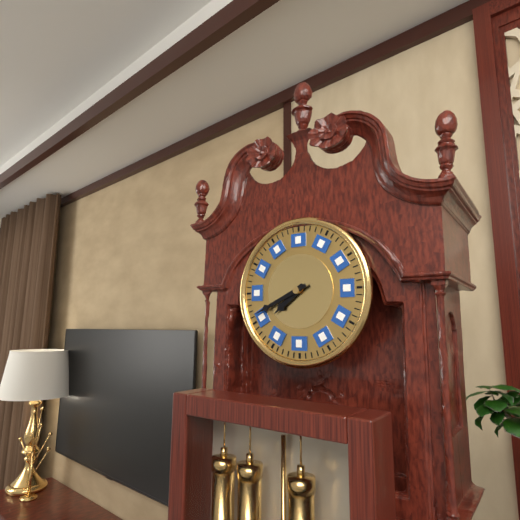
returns 7:41
